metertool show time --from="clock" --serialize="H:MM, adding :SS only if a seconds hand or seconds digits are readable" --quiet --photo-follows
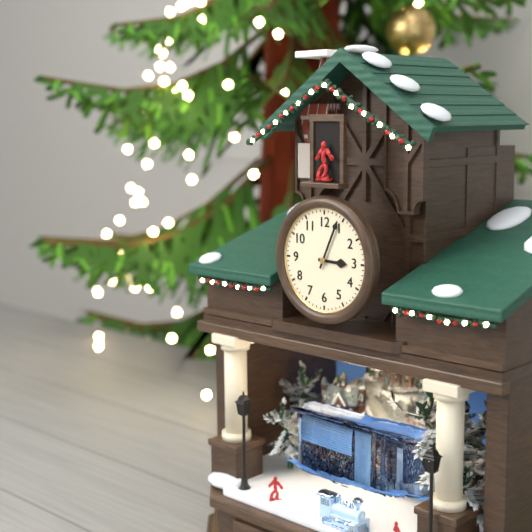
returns 3:04
